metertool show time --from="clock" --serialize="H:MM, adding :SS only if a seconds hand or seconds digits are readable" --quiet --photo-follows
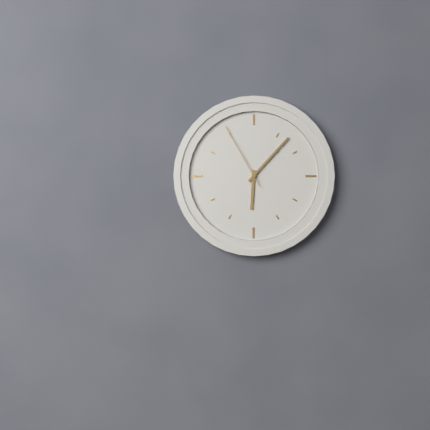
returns 6:07:55
